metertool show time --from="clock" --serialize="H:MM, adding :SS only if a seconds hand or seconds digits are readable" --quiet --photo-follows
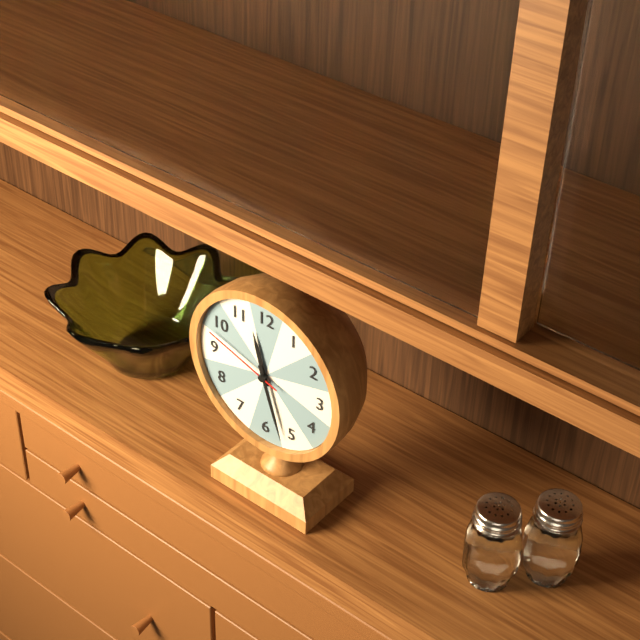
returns 11:27:48
